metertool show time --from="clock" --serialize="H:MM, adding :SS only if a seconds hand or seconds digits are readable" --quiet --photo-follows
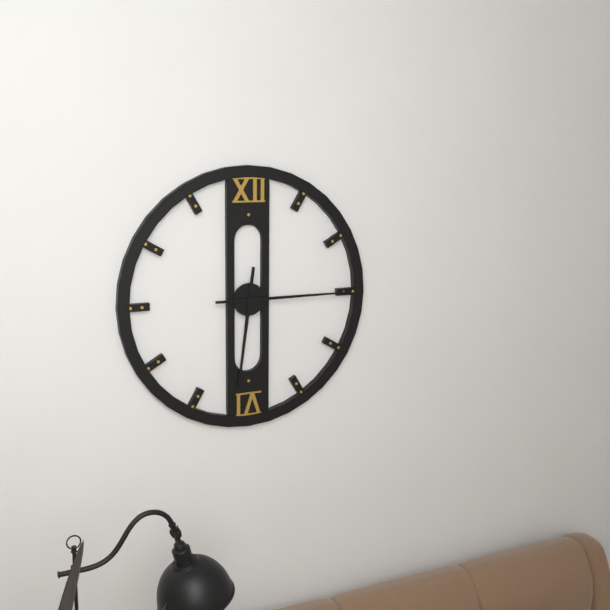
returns 6:15
